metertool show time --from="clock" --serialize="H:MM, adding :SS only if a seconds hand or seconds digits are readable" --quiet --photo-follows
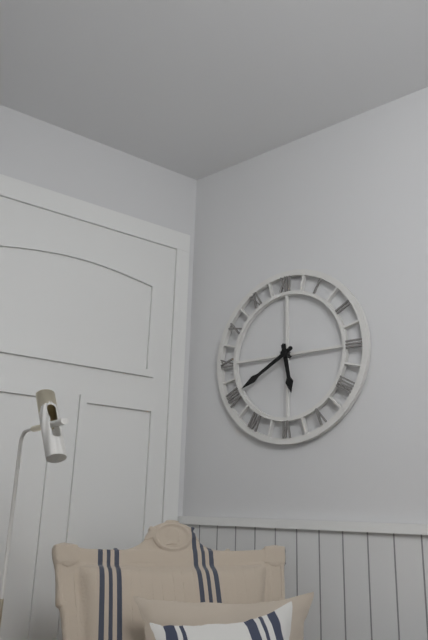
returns 5:40
